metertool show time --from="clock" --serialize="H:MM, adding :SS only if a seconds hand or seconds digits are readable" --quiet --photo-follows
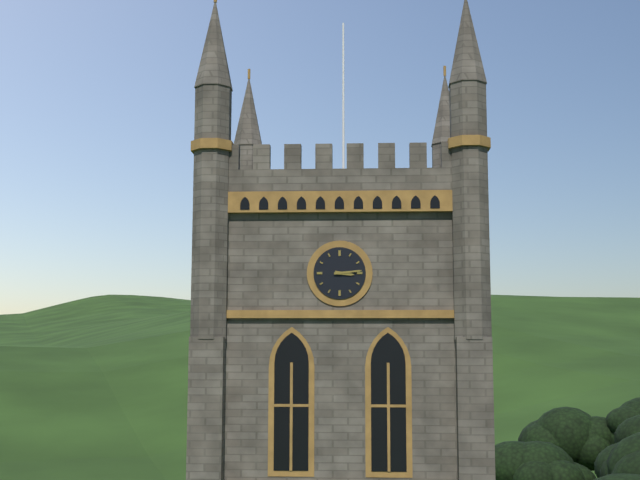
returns 3:14
